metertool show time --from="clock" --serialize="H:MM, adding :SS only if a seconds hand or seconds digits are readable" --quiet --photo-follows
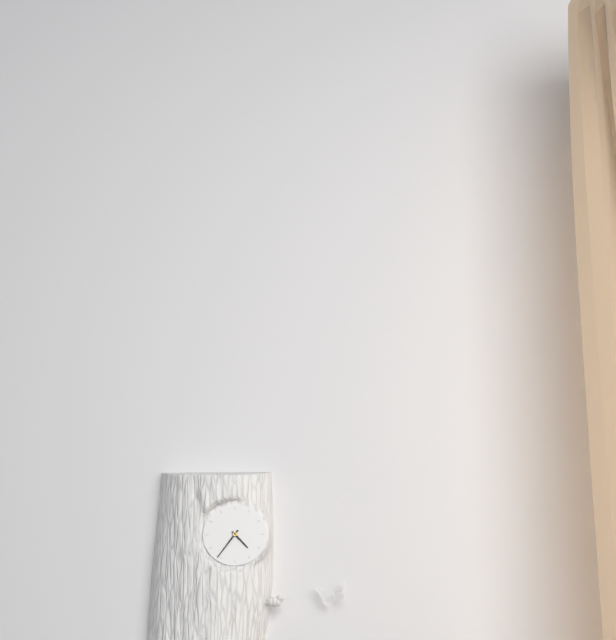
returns 4:36
